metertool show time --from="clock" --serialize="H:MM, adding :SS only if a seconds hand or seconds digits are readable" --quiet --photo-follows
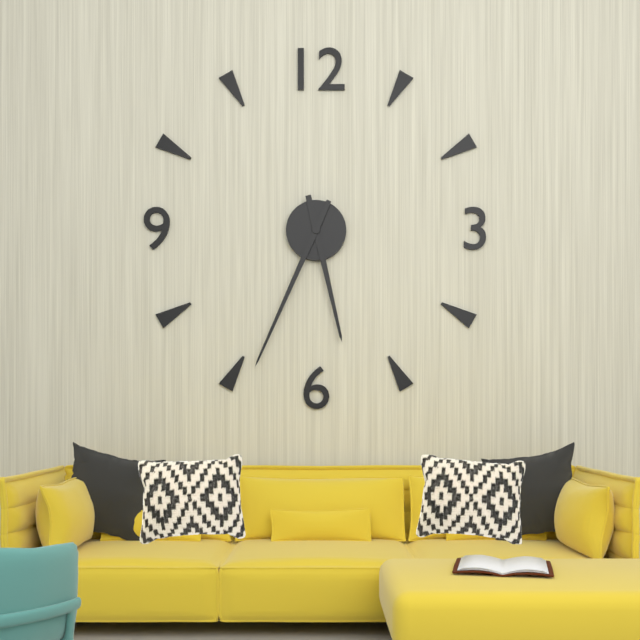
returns 5:34
